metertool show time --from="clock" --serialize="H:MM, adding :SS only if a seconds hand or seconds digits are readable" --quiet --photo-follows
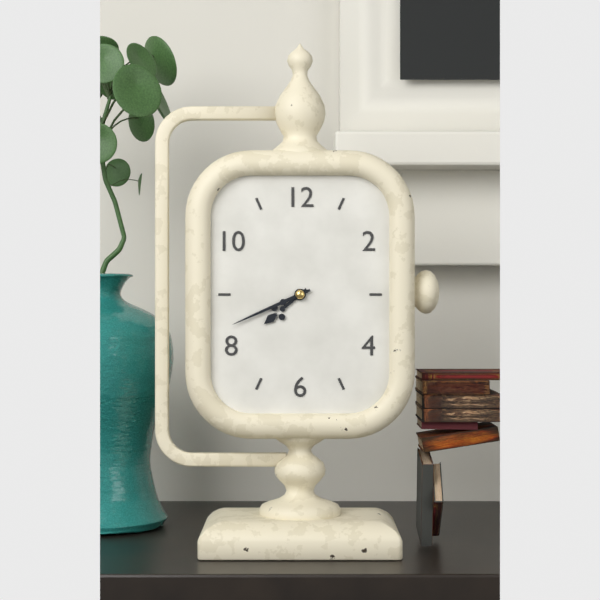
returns 7:41
